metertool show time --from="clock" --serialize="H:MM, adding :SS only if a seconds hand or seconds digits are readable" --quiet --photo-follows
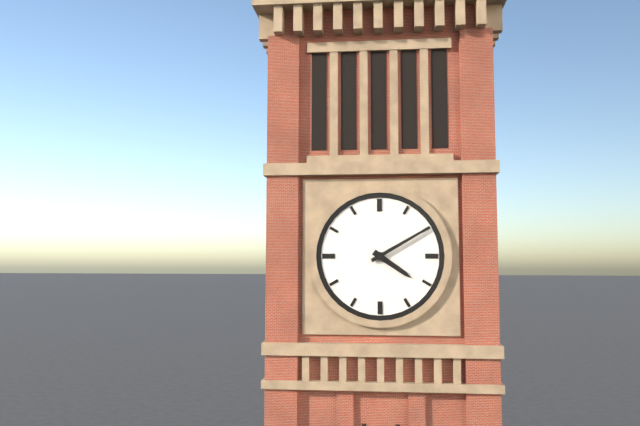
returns 4:10
